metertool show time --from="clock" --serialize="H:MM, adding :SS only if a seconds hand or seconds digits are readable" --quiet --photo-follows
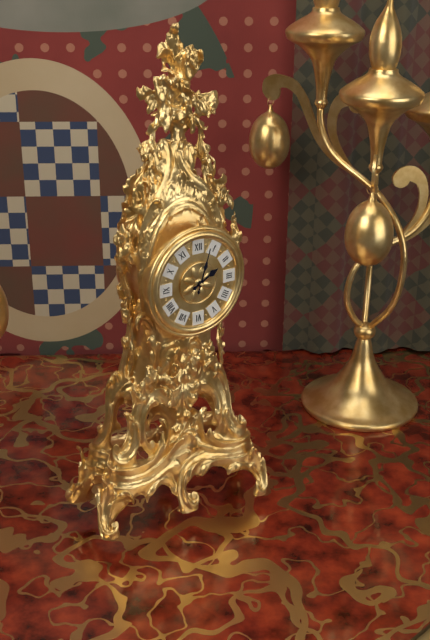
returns 2:03
